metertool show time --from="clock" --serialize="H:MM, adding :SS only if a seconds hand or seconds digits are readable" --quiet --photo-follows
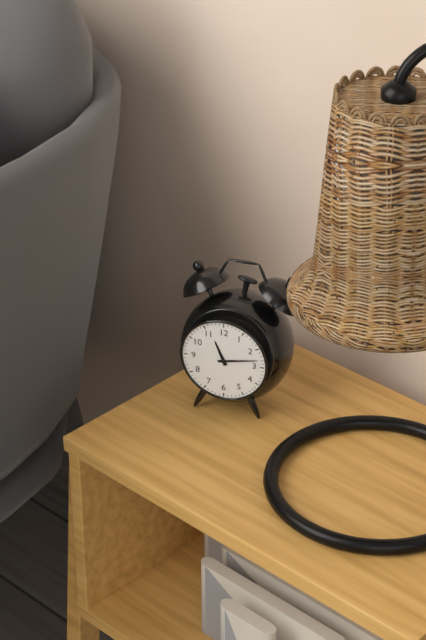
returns 11:13
